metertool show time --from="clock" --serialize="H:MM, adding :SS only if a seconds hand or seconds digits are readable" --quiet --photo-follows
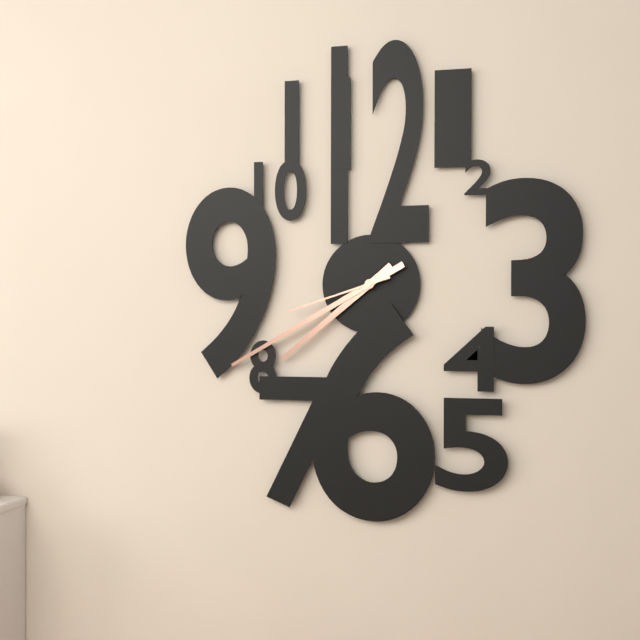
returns 7:40:42
